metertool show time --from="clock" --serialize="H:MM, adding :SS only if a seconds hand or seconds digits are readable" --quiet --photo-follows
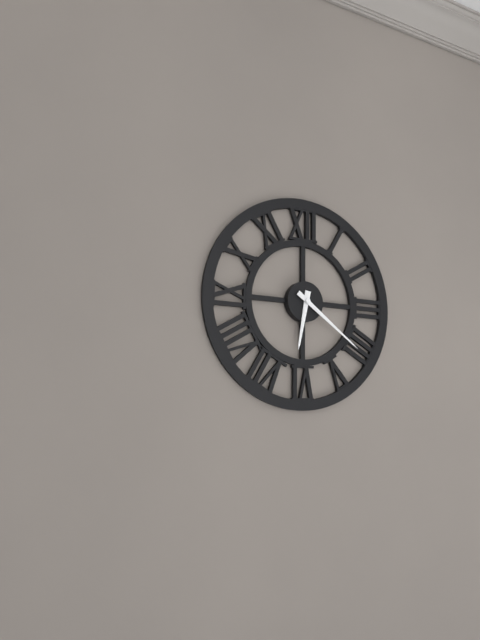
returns 6:21
